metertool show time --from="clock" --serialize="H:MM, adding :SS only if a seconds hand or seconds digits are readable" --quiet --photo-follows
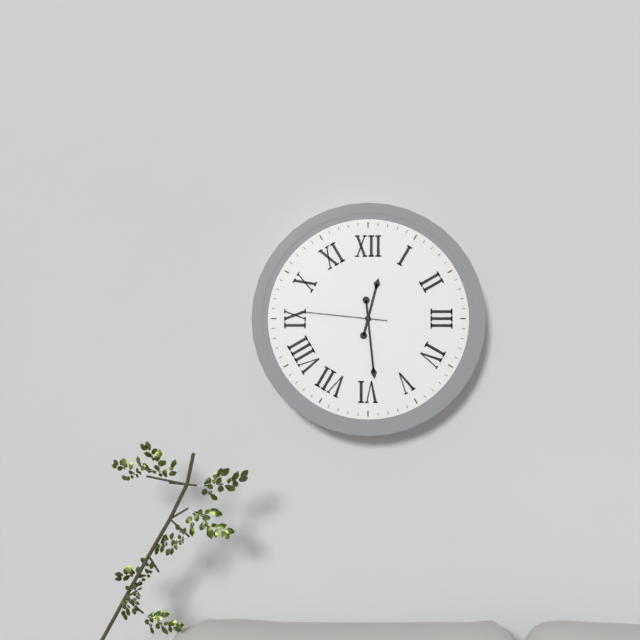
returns 12:29:46
